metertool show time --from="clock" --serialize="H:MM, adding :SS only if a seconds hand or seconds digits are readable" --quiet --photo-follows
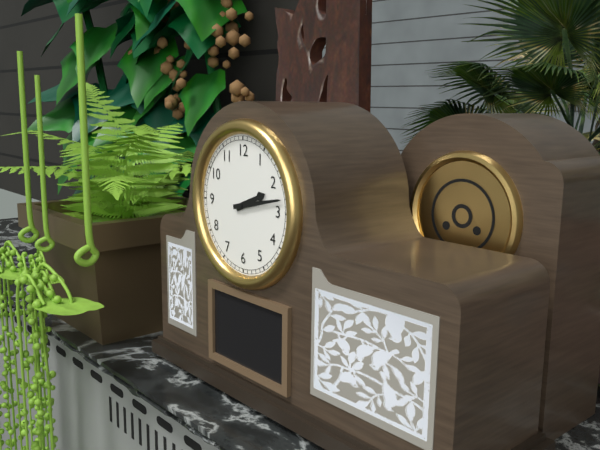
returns 2:13
